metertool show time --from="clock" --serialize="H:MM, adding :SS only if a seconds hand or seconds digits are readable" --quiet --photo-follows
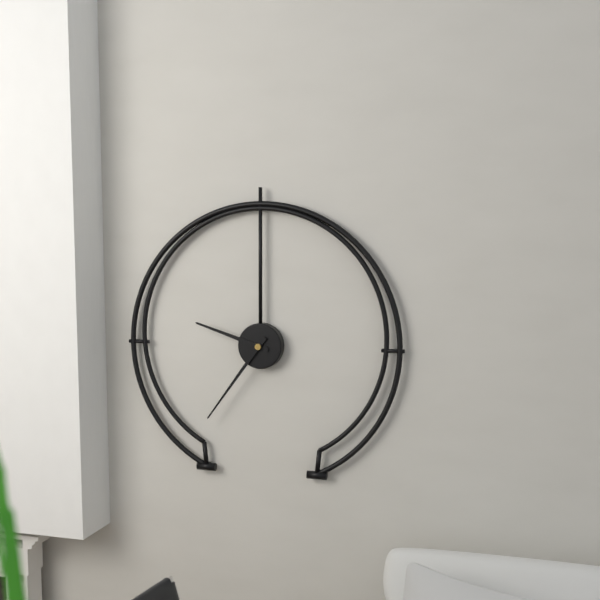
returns 9:36
